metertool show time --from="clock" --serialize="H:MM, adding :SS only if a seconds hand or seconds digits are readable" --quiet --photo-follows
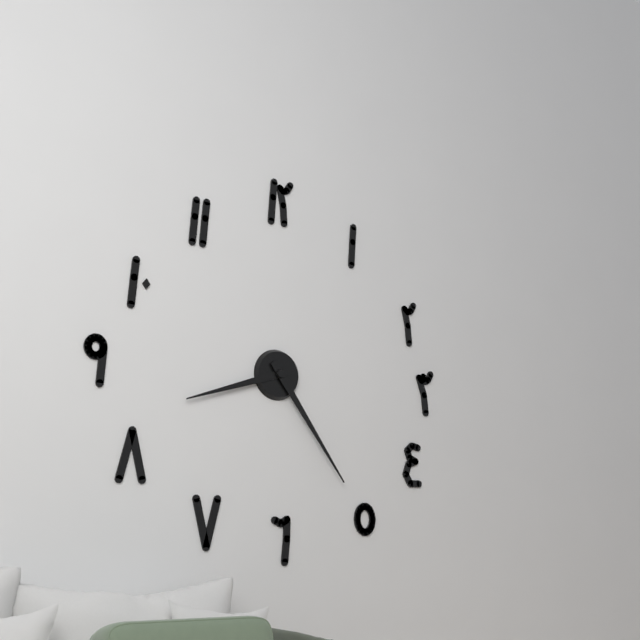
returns 8:24
